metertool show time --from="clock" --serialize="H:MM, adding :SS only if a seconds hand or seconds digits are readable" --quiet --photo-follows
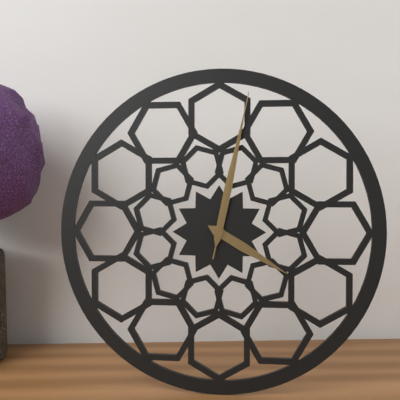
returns 4:02:02
